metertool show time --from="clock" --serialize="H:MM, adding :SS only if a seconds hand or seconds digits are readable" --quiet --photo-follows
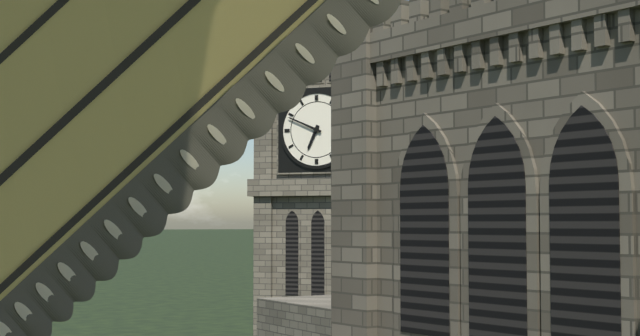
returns 6:49
